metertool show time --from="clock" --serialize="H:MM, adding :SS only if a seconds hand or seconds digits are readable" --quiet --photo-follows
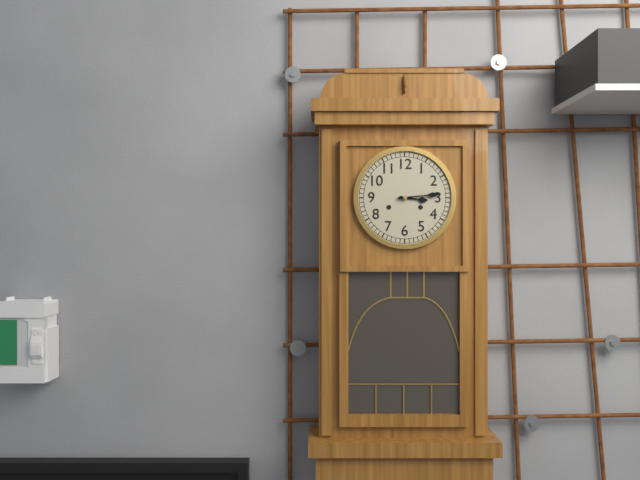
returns 3:14
